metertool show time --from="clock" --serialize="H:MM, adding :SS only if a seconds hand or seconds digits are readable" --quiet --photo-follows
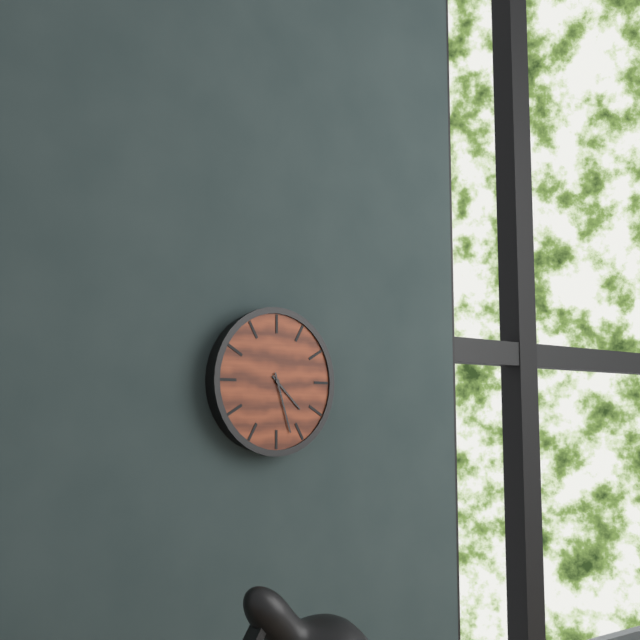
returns 4:27
